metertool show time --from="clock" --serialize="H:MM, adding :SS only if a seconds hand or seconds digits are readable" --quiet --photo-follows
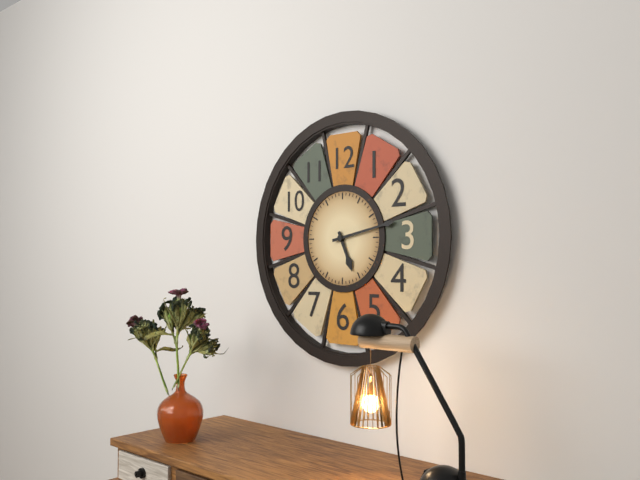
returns 5:13
